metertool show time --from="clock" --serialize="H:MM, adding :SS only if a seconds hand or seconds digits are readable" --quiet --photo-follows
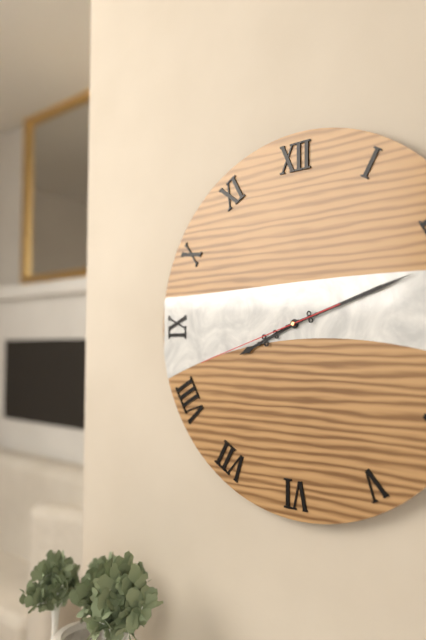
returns 8:12:42
